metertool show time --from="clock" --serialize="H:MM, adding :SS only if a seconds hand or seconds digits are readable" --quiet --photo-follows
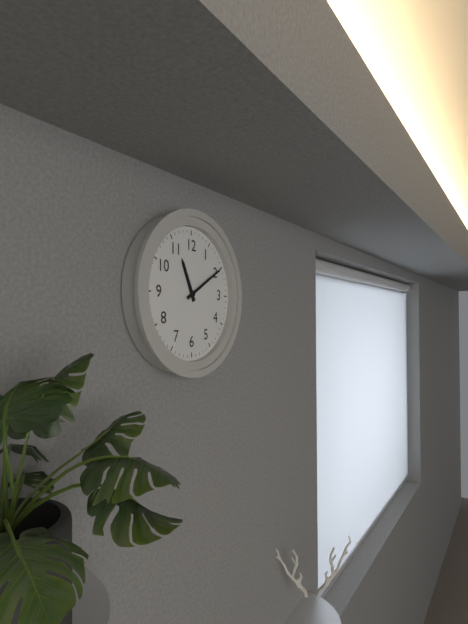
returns 11:10
